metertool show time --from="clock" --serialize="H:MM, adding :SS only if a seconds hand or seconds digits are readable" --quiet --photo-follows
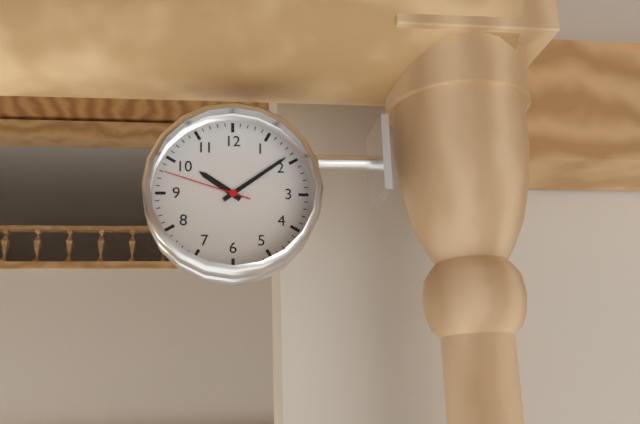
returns 10:09:48
